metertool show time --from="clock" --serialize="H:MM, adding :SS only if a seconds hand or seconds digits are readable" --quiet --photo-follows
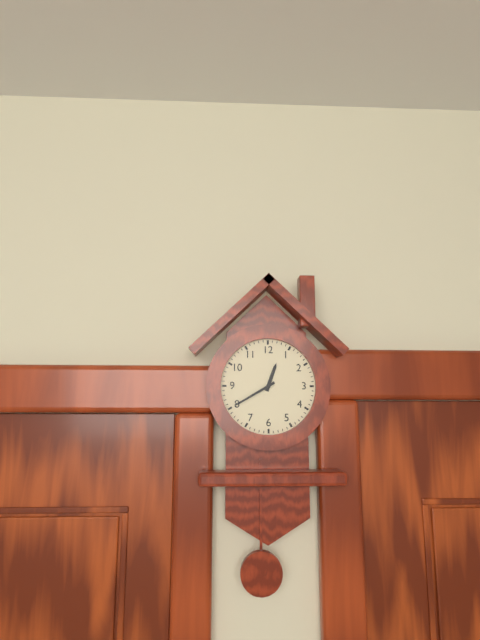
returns 12:40
